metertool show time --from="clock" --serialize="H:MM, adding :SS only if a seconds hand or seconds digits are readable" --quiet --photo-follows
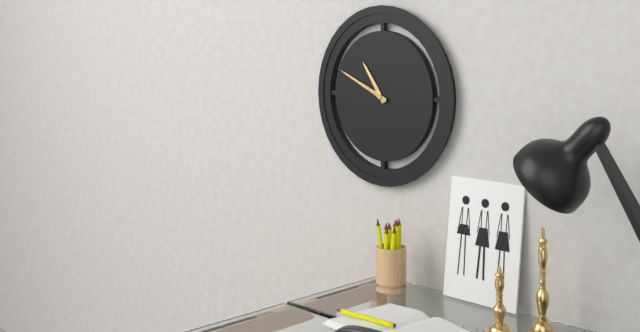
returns 10:49
